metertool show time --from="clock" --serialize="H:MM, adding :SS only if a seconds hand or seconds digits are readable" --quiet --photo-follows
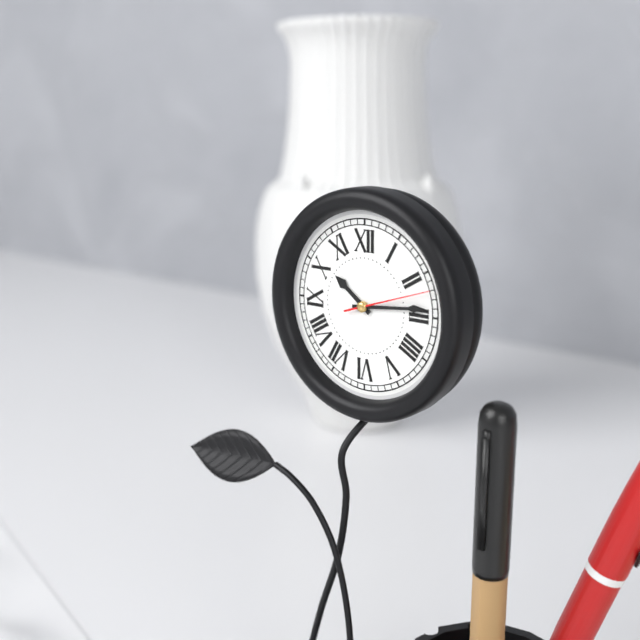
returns 10:14:12
